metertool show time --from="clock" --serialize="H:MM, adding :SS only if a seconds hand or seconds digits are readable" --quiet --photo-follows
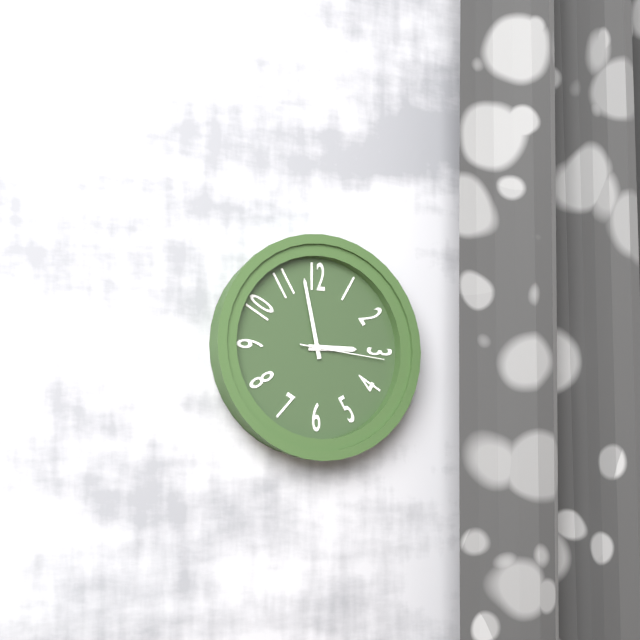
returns 2:58:16
